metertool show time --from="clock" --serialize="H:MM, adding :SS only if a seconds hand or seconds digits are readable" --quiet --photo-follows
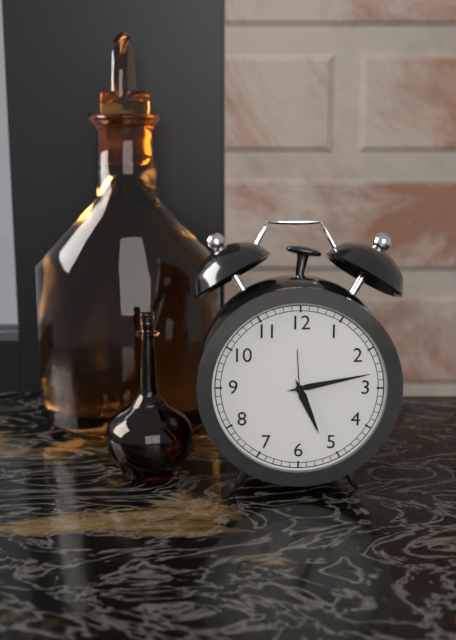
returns 5:13
